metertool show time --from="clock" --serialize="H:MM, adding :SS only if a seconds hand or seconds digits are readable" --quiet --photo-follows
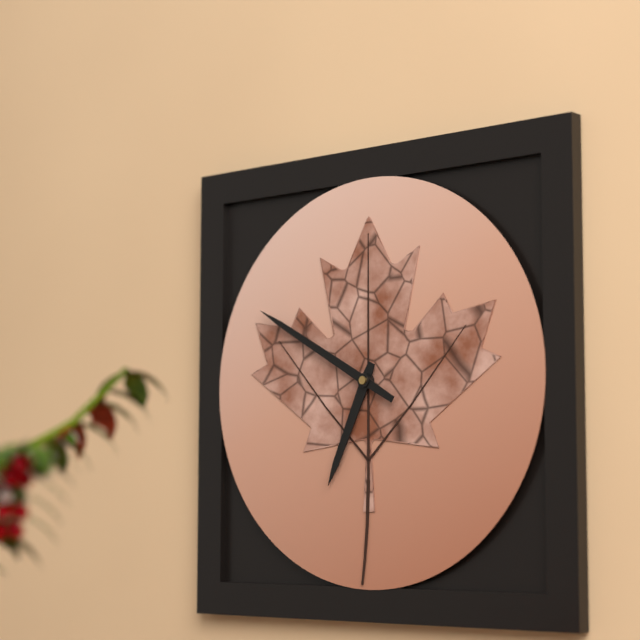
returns 6:50
